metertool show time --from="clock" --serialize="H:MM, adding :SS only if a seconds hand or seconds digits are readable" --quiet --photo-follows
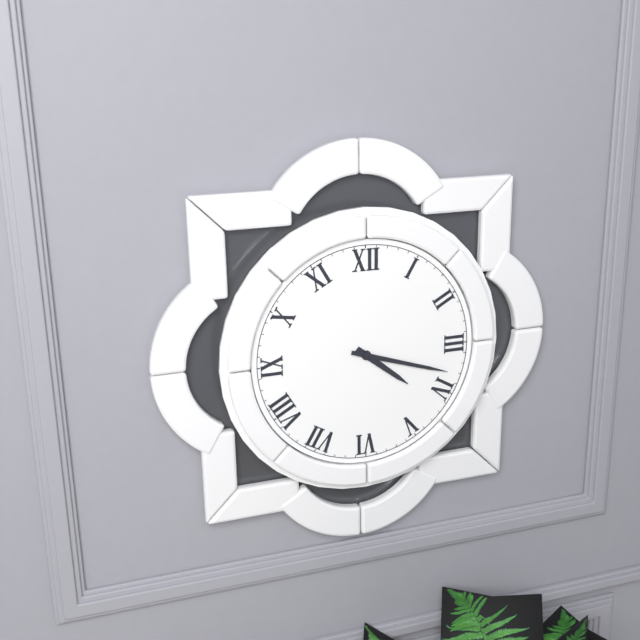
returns 4:18
